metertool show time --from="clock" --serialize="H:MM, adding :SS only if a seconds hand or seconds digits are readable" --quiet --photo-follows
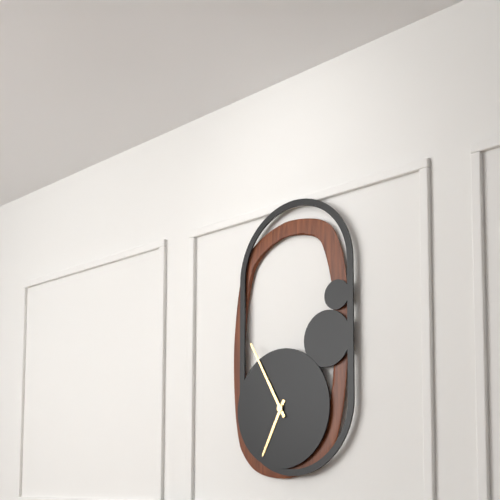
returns 6:55
